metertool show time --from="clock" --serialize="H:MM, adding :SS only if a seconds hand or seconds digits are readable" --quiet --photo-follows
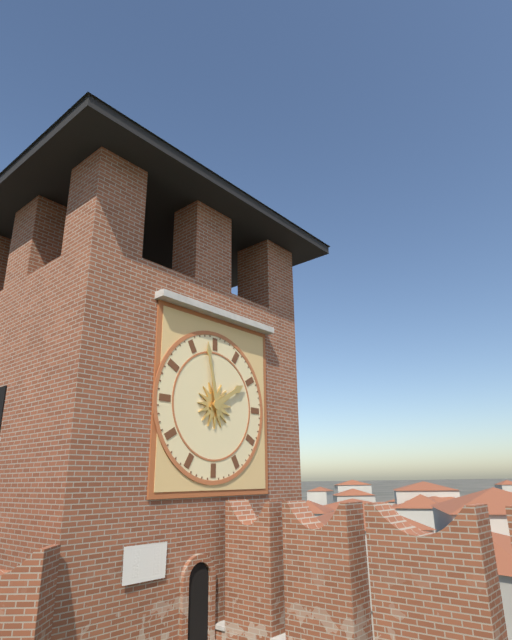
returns 1:58
